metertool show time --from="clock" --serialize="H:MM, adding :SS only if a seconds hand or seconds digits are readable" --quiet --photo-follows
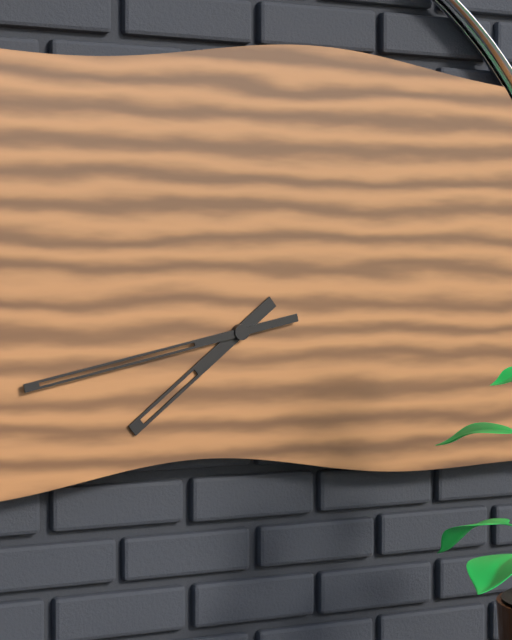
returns 7:43
